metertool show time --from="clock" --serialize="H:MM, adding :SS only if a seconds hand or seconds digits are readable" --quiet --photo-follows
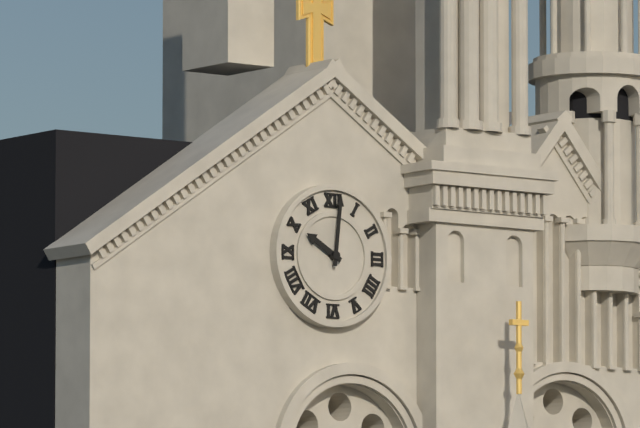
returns 10:01
